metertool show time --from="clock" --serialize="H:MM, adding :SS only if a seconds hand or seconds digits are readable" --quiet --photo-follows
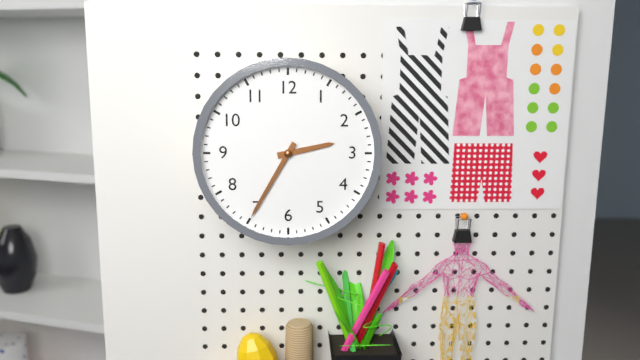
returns 2:35
